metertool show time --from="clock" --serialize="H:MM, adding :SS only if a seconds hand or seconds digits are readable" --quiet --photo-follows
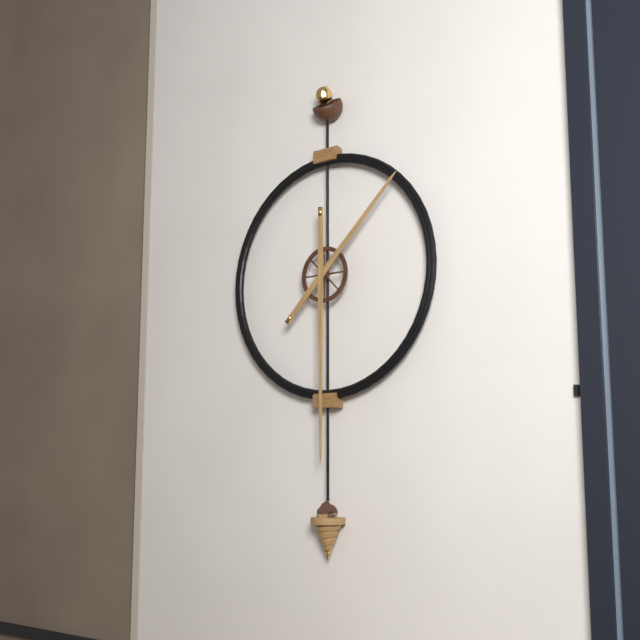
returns 1:30
